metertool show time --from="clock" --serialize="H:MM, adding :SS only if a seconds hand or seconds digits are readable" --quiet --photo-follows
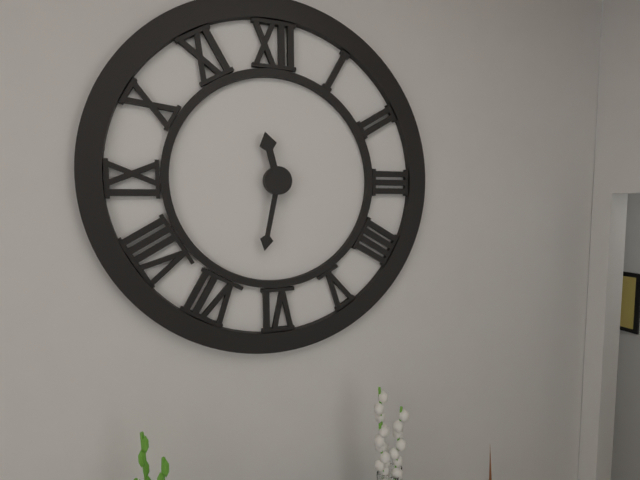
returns 11:32
